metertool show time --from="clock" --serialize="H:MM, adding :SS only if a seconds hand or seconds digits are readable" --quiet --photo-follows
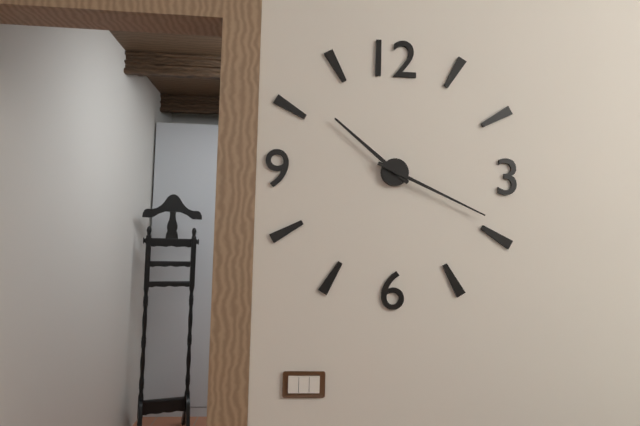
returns 10:19
